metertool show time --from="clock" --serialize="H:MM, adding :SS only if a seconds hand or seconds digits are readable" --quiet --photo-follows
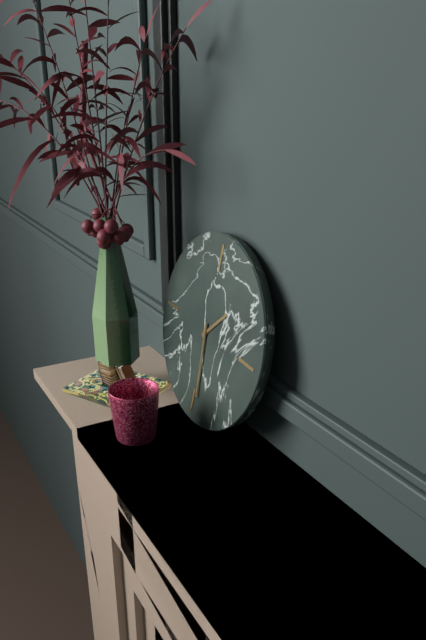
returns 1:29
